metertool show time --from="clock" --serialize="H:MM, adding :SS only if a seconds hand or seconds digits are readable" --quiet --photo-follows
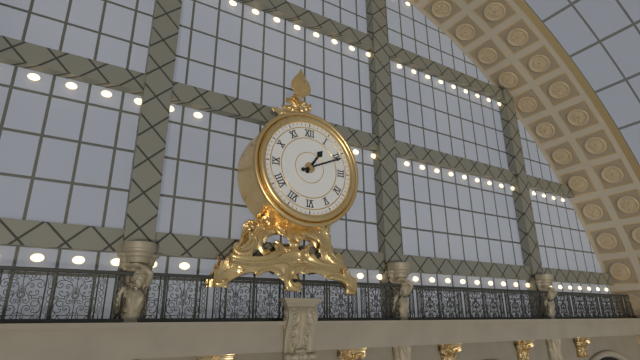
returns 1:11
